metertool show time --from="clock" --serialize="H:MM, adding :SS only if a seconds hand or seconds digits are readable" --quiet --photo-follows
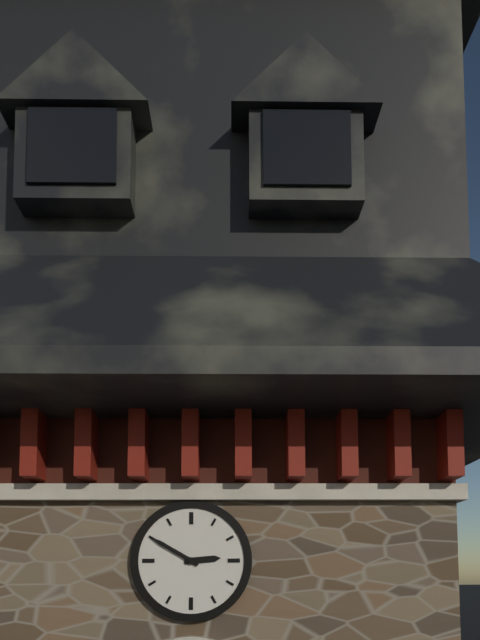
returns 2:50
